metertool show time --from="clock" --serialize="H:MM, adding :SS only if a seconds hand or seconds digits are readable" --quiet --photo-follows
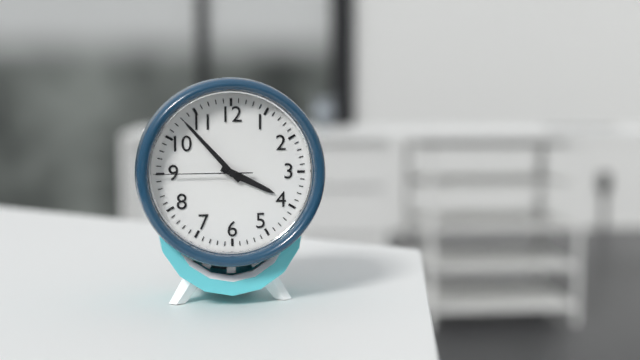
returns 3:53:45
